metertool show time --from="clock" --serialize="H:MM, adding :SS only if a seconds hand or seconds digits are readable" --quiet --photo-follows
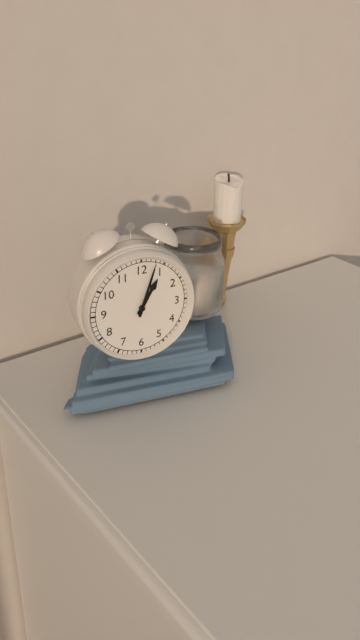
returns 1:03
